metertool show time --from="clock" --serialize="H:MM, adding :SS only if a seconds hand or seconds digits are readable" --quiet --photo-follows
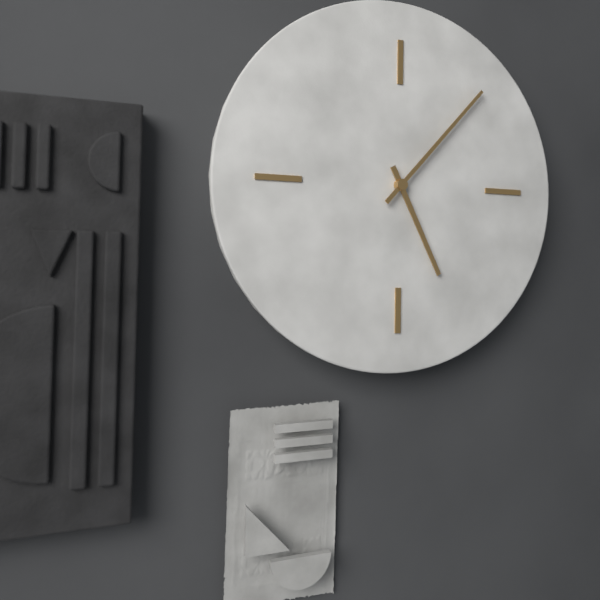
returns 5:07
